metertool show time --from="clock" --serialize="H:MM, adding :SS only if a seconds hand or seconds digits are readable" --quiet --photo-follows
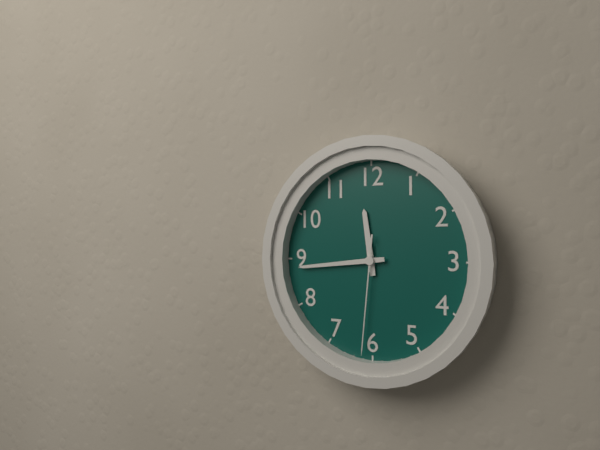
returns 11:44:31
